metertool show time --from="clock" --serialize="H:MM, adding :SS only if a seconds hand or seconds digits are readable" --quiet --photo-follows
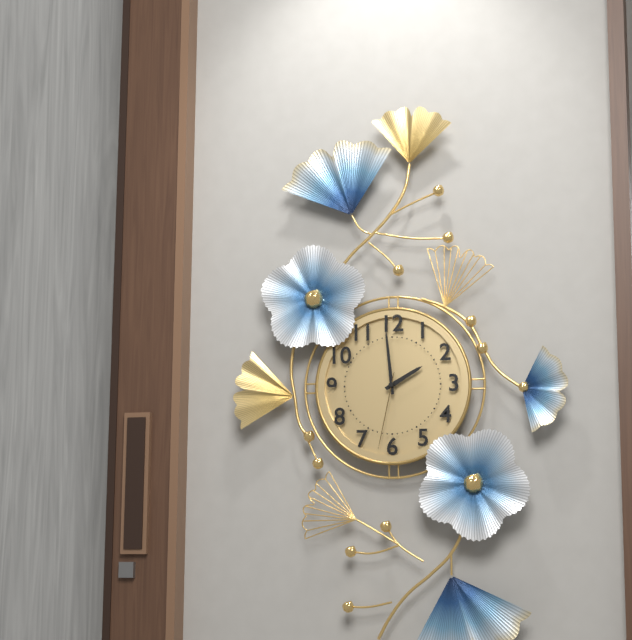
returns 1:59:32
